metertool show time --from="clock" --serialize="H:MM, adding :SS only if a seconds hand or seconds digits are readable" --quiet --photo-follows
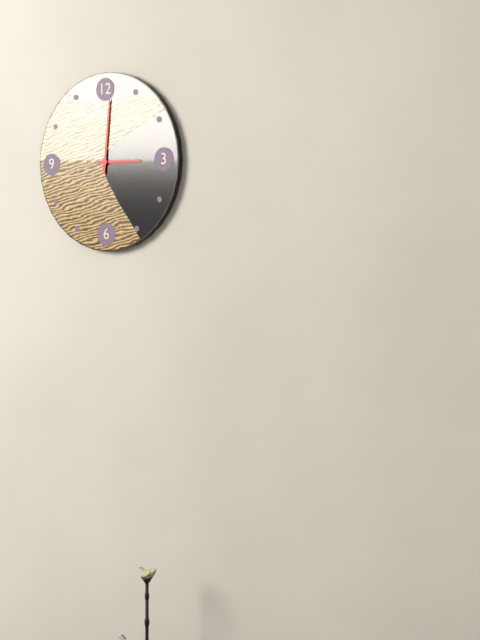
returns 3:01
